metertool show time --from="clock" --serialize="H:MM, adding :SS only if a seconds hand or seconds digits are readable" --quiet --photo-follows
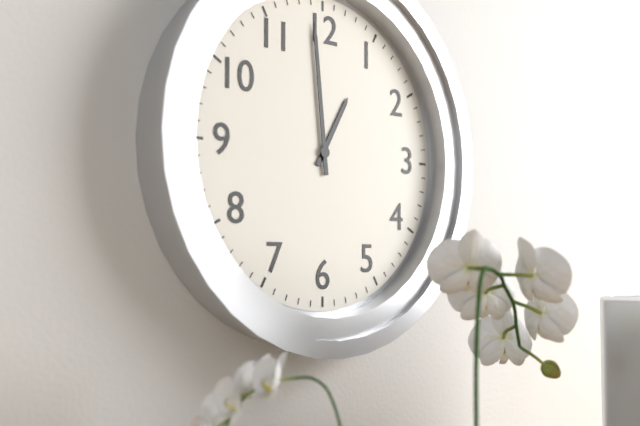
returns 12:59
